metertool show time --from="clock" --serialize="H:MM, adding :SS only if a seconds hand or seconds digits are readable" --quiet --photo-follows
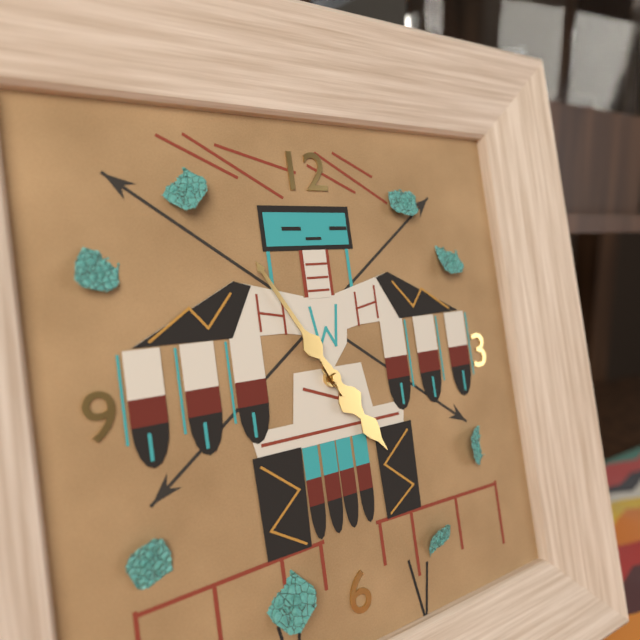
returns 4:55
